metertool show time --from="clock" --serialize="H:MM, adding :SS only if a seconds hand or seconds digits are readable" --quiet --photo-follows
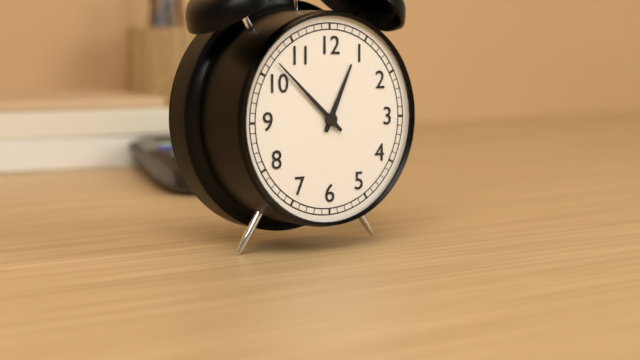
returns 12:52
